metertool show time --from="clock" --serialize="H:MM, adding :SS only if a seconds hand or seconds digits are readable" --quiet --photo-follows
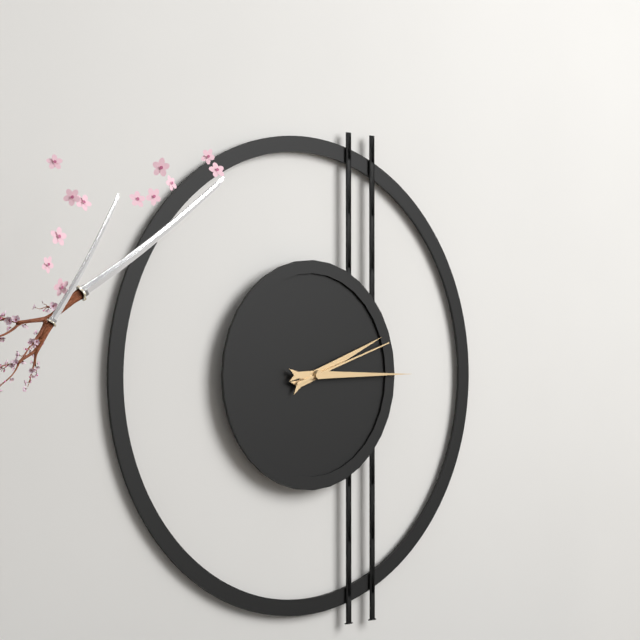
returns 2:15:12
